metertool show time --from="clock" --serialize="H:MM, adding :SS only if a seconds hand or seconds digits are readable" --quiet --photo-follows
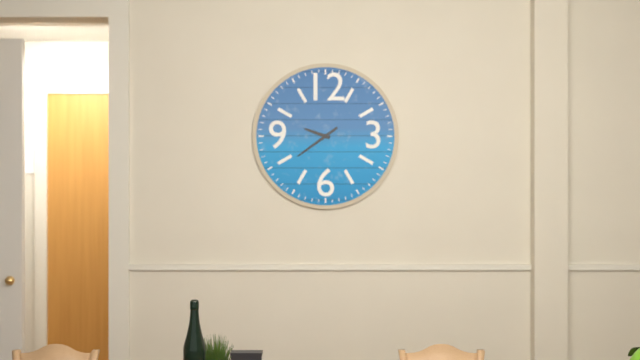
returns 9:39
